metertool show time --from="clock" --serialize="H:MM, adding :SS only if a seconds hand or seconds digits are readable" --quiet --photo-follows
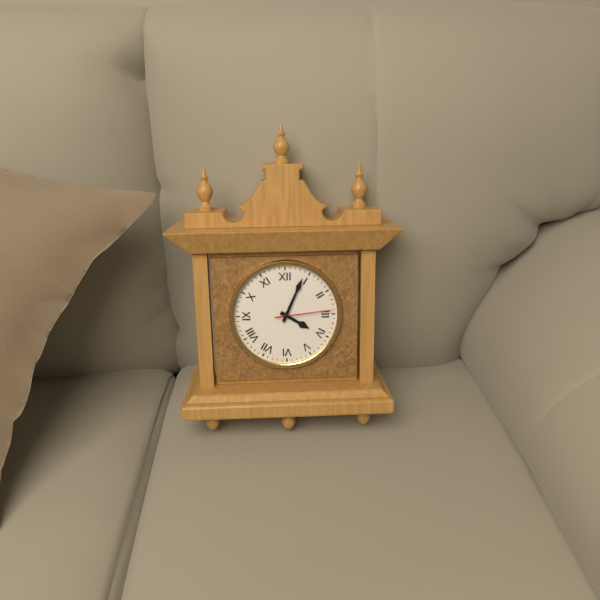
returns 4:04:14
